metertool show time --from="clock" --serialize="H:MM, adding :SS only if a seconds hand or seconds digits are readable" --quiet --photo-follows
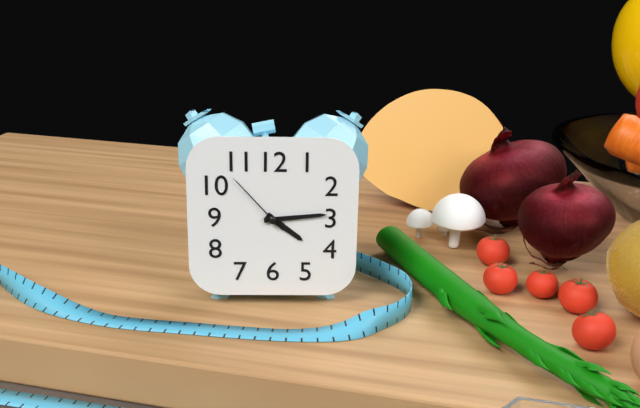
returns 4:14:53
